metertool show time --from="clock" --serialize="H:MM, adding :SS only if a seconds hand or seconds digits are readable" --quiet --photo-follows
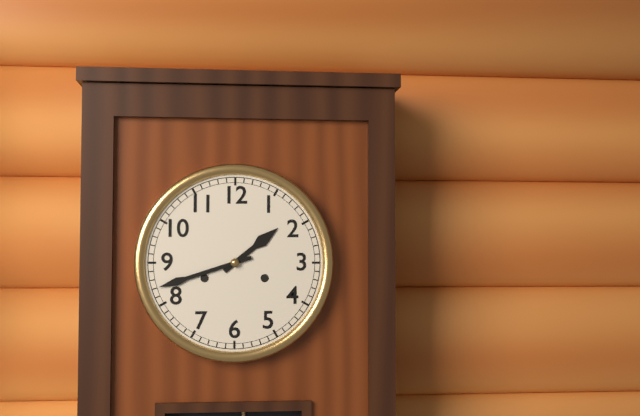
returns 1:42
